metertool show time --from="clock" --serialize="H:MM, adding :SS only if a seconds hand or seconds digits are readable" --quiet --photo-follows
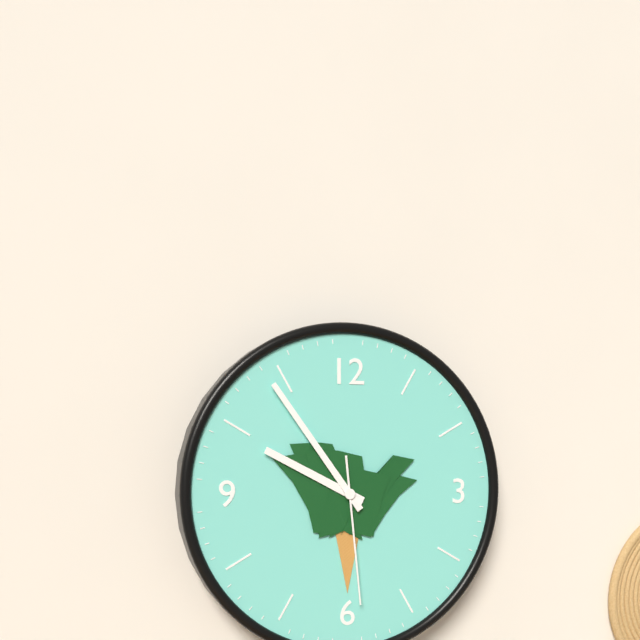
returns 9:54:29
